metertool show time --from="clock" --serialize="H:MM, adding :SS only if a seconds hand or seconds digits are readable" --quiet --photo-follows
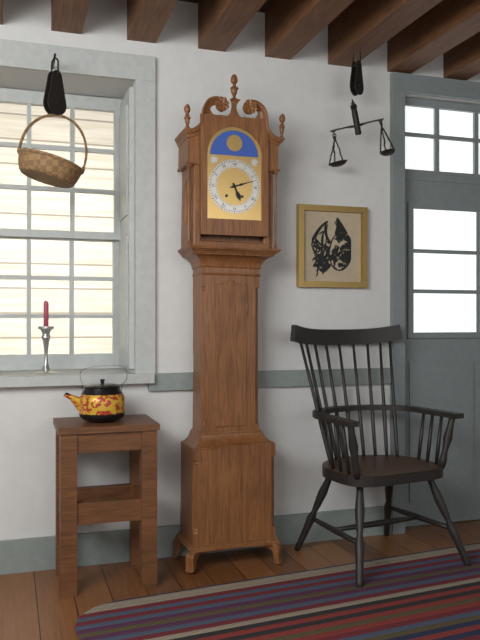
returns 5:12
